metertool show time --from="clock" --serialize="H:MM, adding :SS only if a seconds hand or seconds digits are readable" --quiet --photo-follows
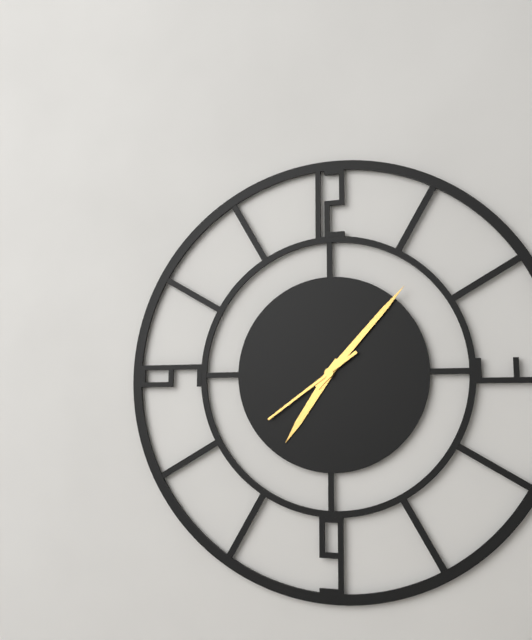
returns 7:07:39
